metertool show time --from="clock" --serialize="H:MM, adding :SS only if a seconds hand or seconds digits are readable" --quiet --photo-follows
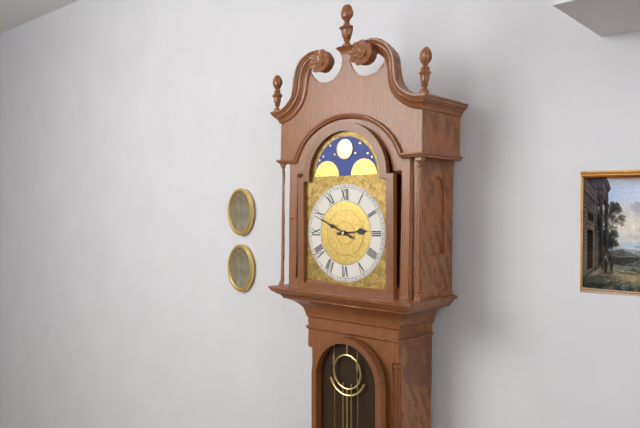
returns 2:49
